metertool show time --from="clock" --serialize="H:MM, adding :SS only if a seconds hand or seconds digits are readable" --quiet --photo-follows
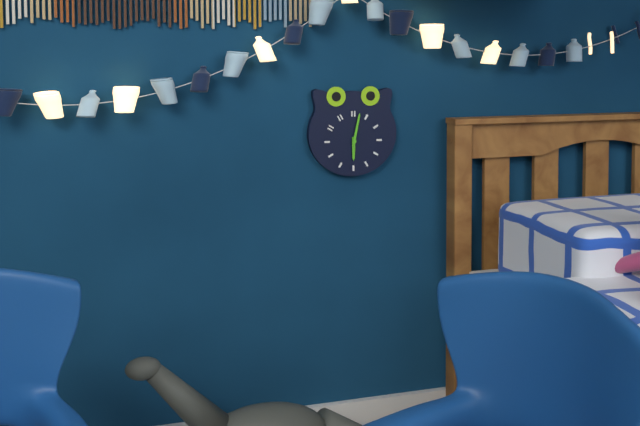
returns 6:02
